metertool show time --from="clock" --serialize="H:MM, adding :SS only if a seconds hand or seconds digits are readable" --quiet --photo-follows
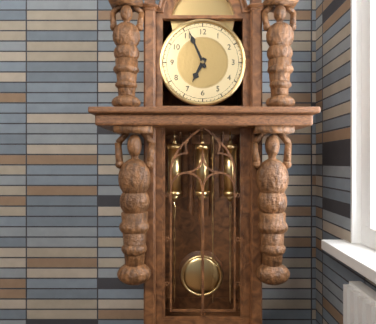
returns 6:56
